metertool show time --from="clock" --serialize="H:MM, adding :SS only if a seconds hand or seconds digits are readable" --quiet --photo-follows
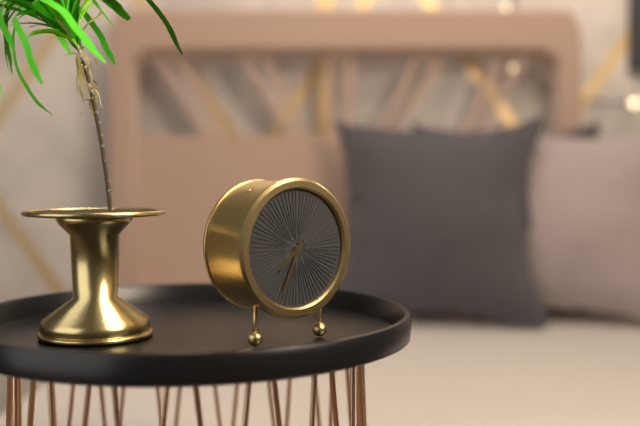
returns 7:34
